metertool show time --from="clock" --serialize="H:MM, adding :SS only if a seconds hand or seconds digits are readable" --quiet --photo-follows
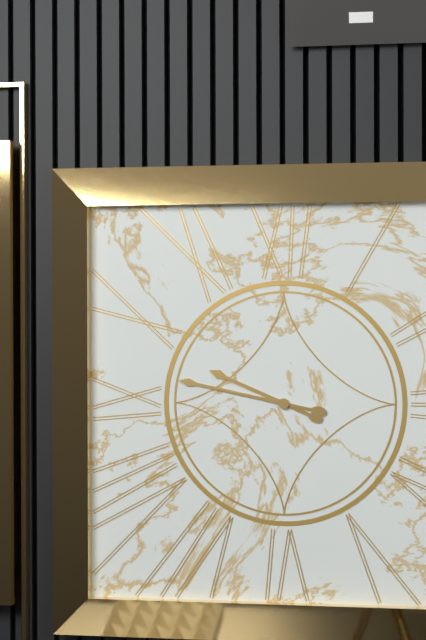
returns 9:47
